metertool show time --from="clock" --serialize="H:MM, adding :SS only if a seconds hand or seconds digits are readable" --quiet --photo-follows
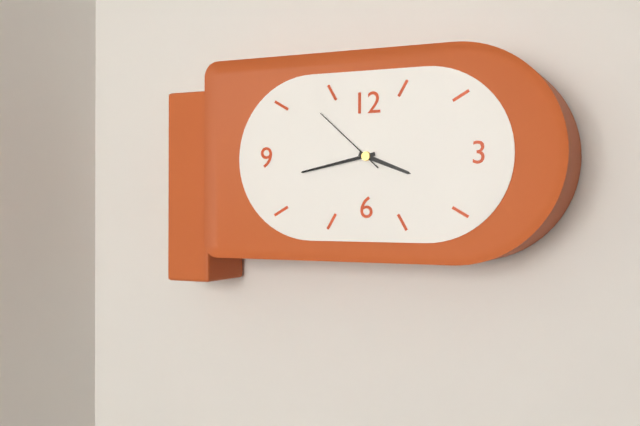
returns 3:43:52
